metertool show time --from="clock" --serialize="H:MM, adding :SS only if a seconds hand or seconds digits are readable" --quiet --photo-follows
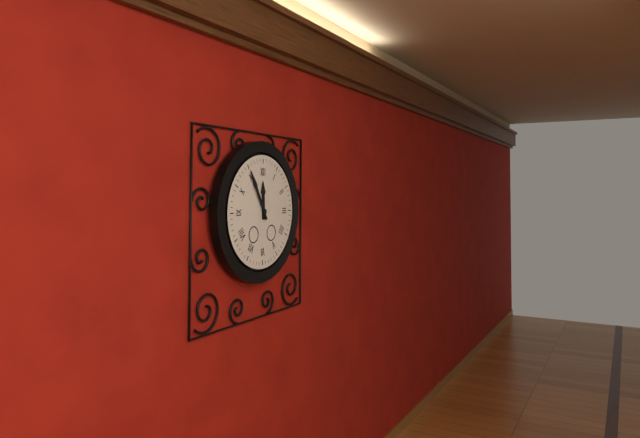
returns 11:55
